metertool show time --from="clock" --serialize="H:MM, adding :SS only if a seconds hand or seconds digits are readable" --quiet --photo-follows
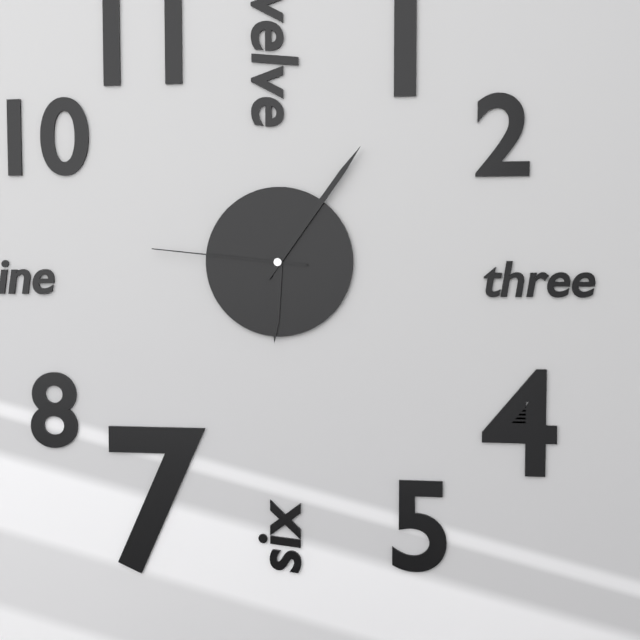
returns 6:06:46
